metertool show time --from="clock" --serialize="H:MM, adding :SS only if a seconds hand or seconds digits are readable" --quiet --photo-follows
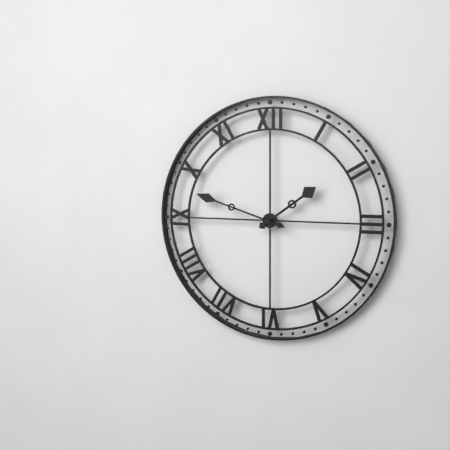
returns 1:48
